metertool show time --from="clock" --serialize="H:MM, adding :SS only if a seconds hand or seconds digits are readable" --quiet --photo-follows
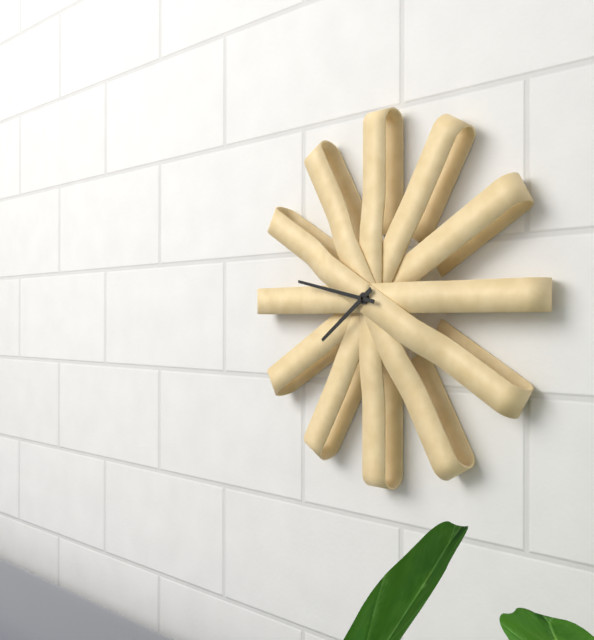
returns 7:47
